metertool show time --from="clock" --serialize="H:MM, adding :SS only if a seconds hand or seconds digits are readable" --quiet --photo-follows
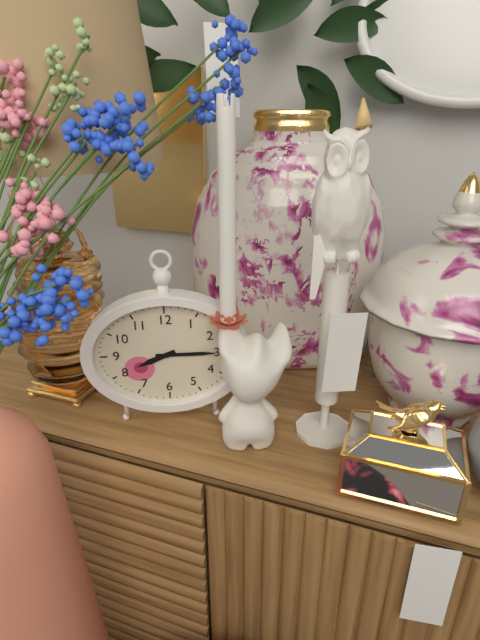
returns 8:15
